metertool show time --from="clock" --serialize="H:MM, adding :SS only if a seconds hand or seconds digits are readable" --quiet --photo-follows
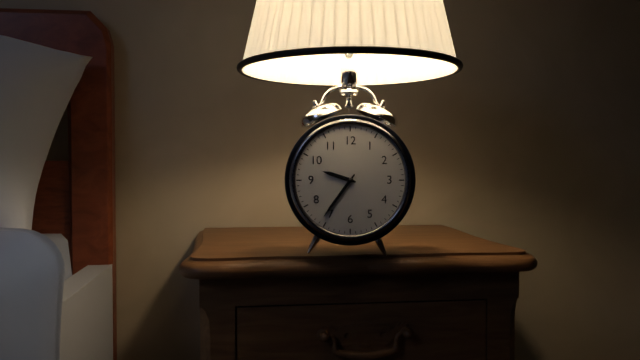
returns 9:36
